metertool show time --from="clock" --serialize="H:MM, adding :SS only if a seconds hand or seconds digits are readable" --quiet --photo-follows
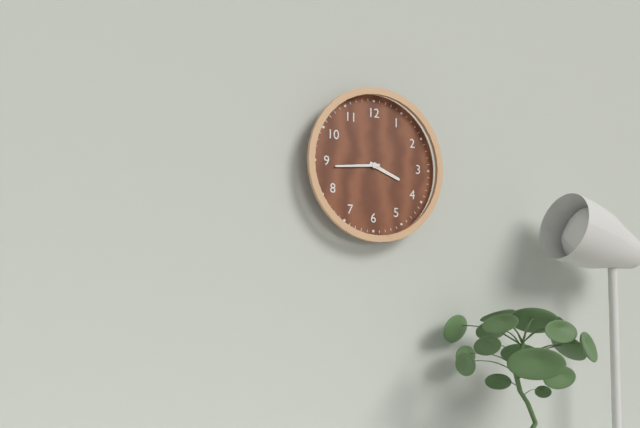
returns 3:44
